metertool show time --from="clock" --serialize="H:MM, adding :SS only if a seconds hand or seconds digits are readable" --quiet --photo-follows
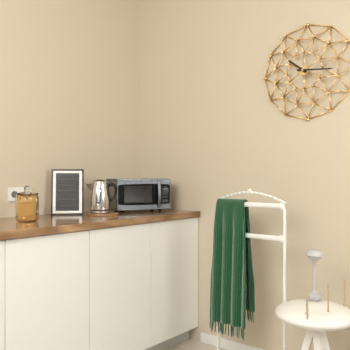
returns 10:16
